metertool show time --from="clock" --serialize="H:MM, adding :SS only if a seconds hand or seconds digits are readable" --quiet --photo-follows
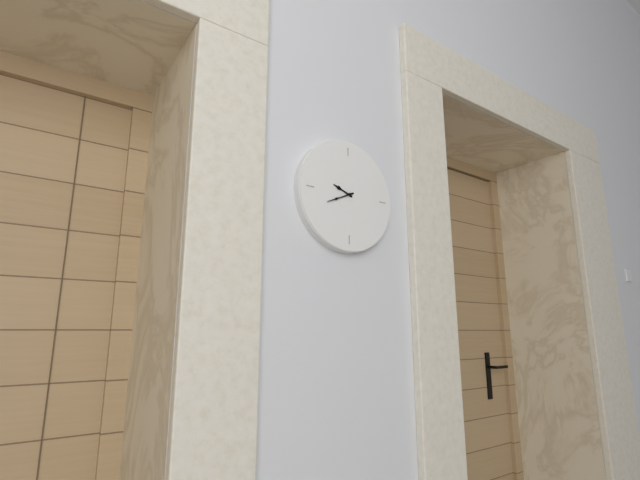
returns 9:41
